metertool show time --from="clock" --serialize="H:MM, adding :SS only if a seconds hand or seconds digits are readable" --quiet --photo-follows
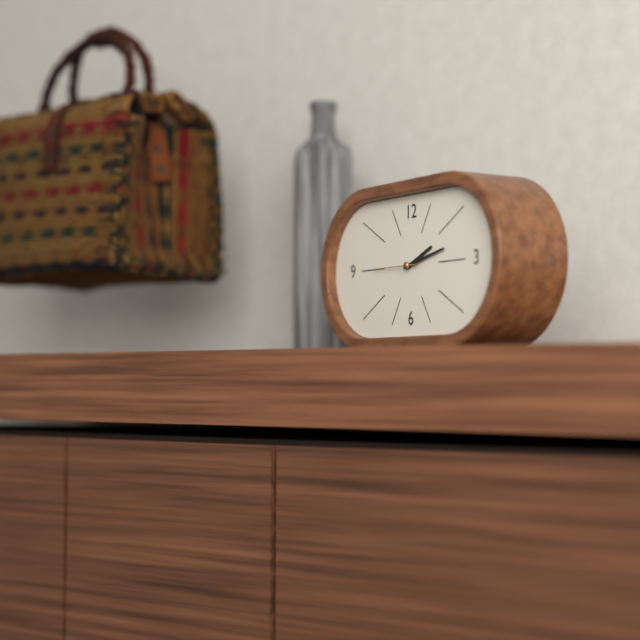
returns 2:13
